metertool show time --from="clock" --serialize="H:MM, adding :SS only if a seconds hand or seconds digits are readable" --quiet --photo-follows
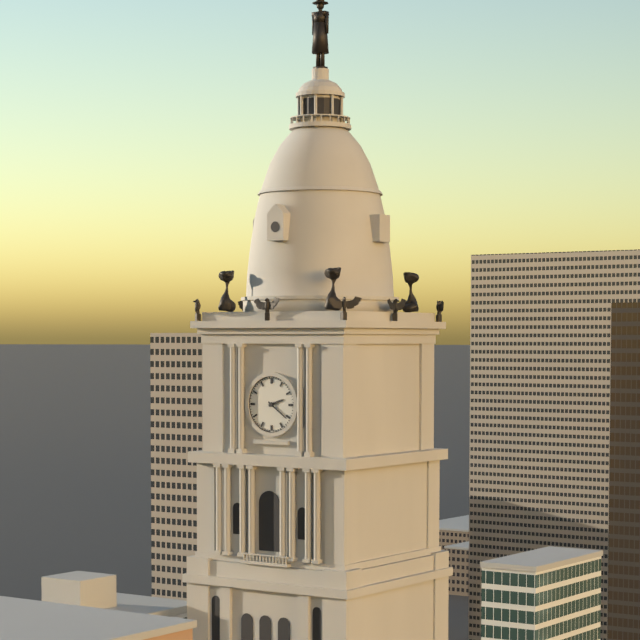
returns 2:21
